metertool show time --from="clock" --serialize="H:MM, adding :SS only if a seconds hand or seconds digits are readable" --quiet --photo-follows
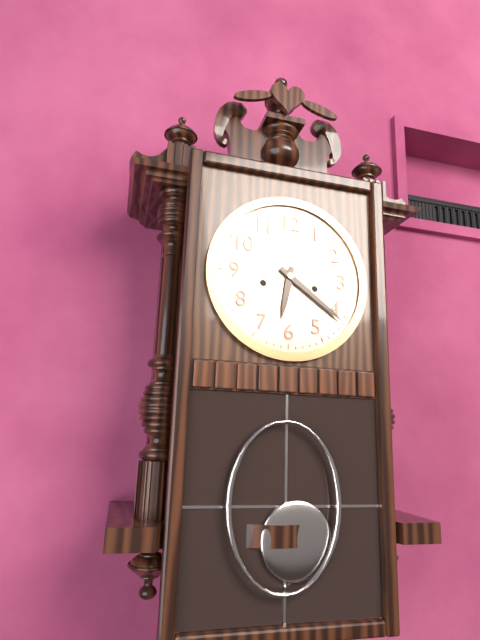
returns 6:21
